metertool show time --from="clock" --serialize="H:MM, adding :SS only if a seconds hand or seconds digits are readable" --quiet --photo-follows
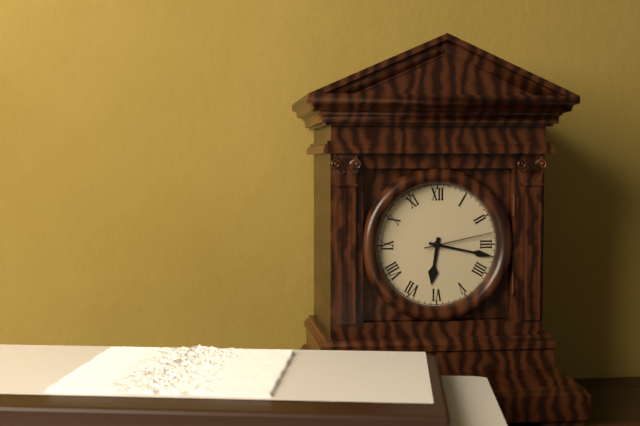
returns 6:17:13
